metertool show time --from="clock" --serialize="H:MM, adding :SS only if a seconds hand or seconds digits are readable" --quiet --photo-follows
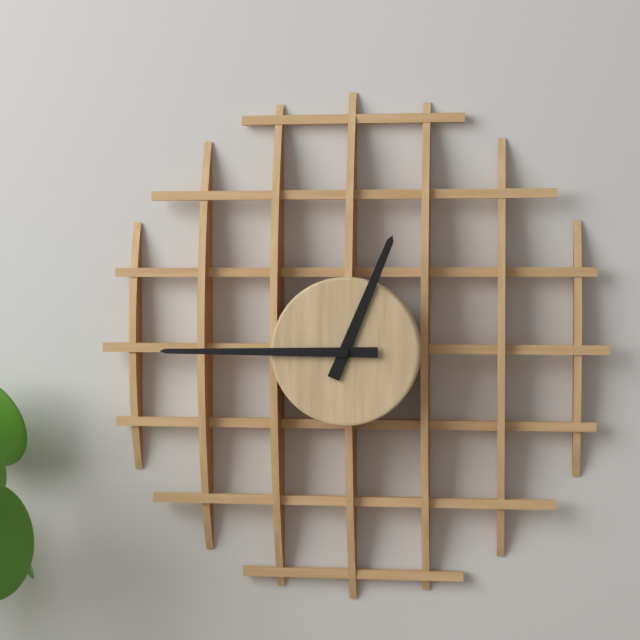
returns 12:45
